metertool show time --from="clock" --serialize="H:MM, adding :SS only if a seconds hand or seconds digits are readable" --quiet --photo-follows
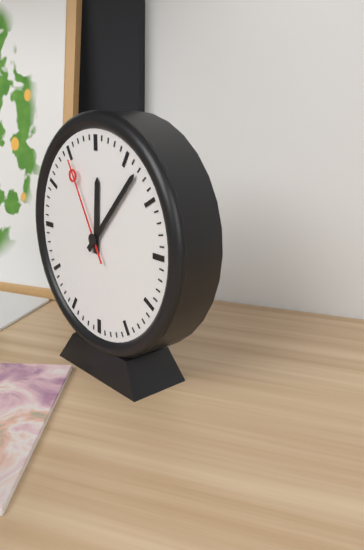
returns 12:07:55
